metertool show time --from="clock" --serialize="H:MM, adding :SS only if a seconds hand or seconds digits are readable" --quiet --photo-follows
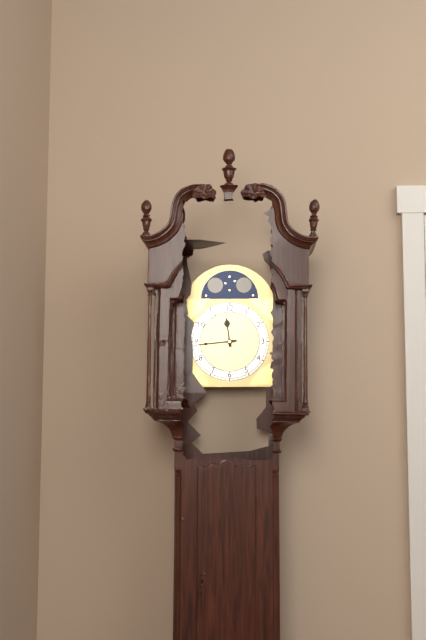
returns 11:44
